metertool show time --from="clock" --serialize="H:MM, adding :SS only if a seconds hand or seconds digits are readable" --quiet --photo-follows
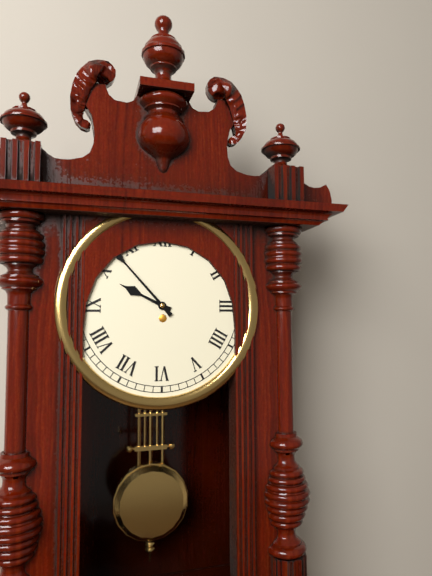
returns 9:53
